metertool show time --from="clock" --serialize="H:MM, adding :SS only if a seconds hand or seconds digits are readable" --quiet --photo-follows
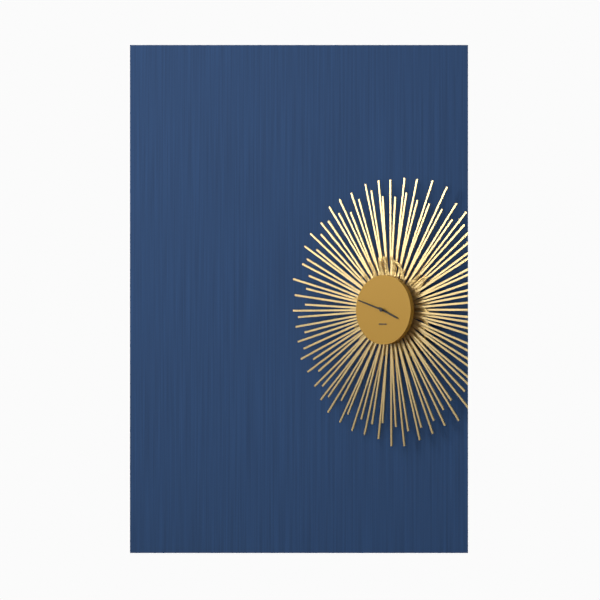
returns 3:48
